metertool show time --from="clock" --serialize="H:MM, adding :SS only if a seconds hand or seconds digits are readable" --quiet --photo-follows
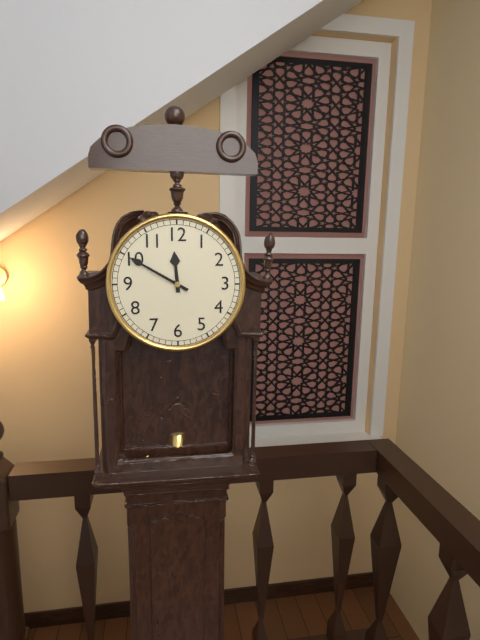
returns 11:50
